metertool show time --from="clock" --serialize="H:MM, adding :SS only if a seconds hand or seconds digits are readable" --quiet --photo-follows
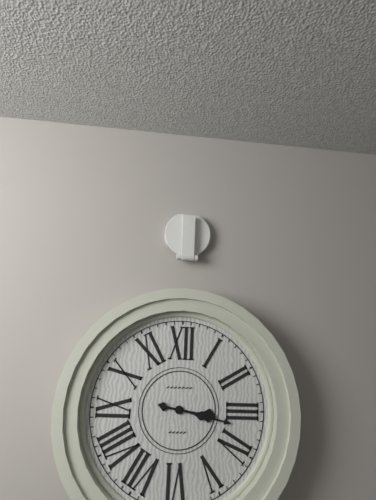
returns 3:17
